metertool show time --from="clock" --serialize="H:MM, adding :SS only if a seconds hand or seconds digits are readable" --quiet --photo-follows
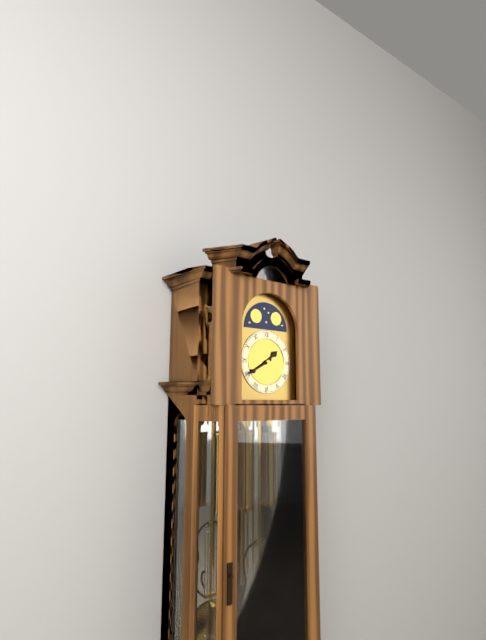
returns 1:40
